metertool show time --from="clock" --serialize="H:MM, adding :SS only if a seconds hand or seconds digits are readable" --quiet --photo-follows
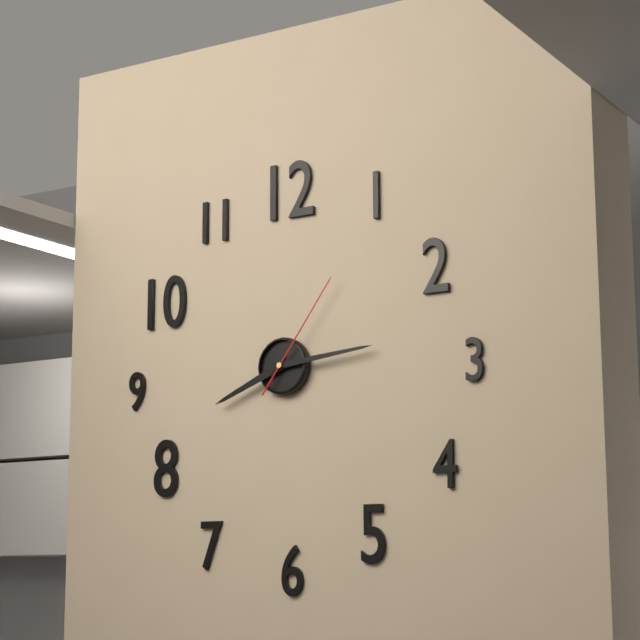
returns 8:14:06
